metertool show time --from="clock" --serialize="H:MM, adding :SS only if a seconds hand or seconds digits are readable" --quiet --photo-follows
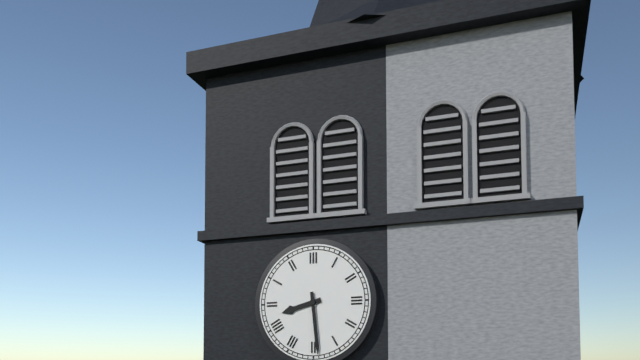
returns 8:29
